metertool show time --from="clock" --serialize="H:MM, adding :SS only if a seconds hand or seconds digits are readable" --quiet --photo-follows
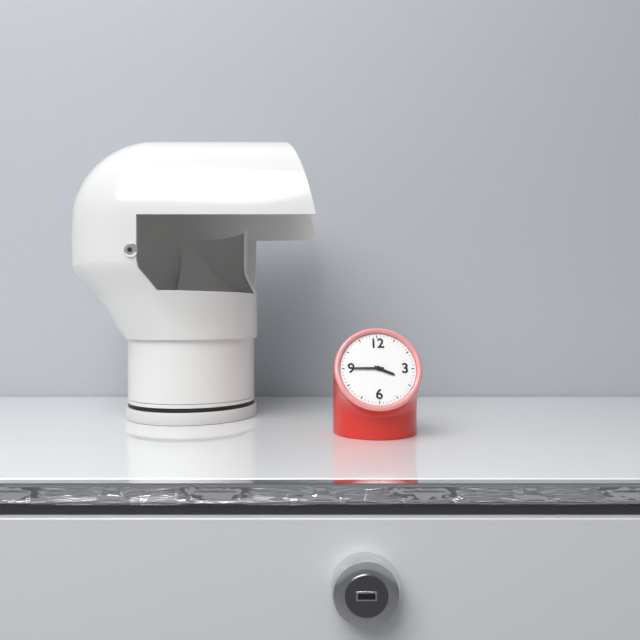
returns 3:45
